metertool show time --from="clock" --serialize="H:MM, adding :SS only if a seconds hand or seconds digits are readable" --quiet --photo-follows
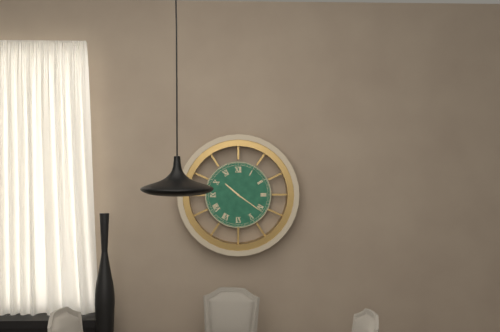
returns 10:21
